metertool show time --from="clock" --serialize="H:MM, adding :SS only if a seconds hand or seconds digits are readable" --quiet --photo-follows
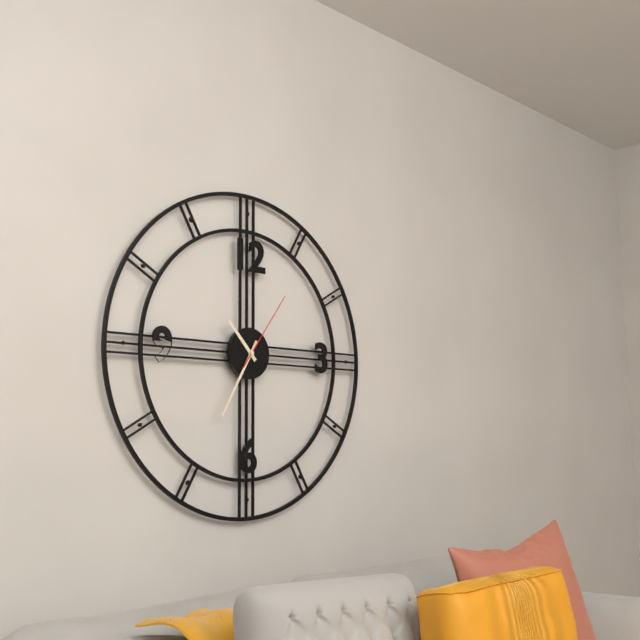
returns 10:35:06
